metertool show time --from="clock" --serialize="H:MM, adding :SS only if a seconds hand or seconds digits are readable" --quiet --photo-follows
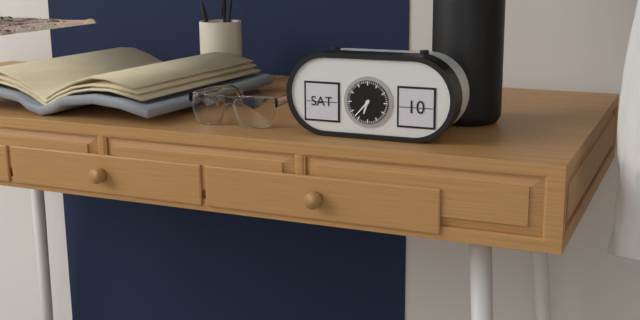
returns 6:37
